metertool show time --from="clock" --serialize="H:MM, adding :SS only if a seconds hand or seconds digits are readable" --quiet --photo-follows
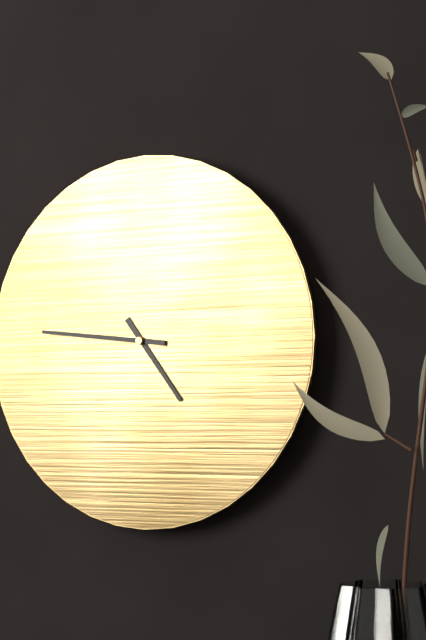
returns 4:46
